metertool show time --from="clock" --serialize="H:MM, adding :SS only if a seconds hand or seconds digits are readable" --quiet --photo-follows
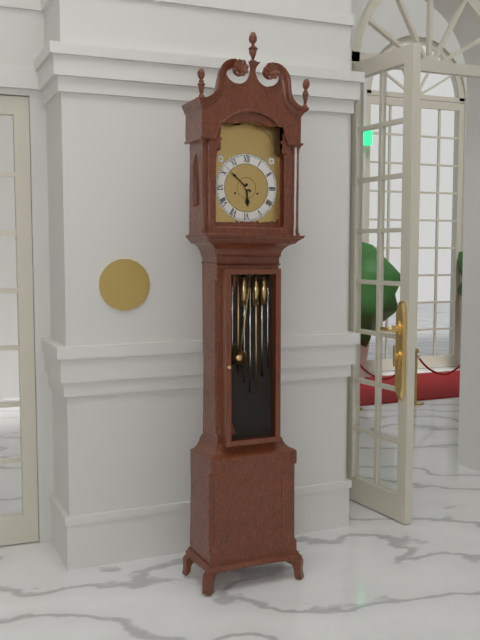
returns 5:52
